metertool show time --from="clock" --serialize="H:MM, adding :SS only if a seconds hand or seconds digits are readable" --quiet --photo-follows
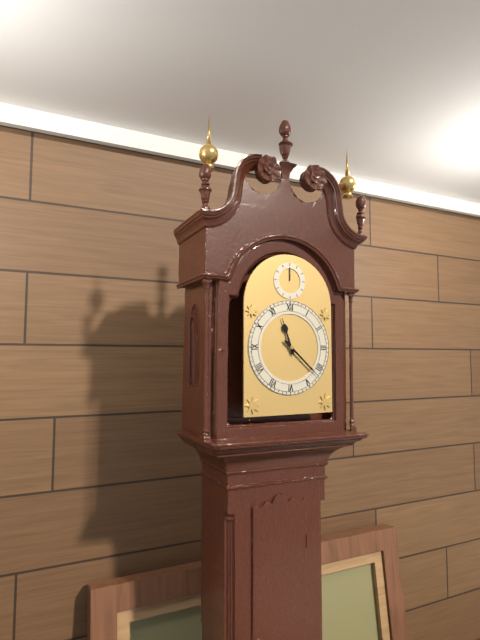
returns 11:22
